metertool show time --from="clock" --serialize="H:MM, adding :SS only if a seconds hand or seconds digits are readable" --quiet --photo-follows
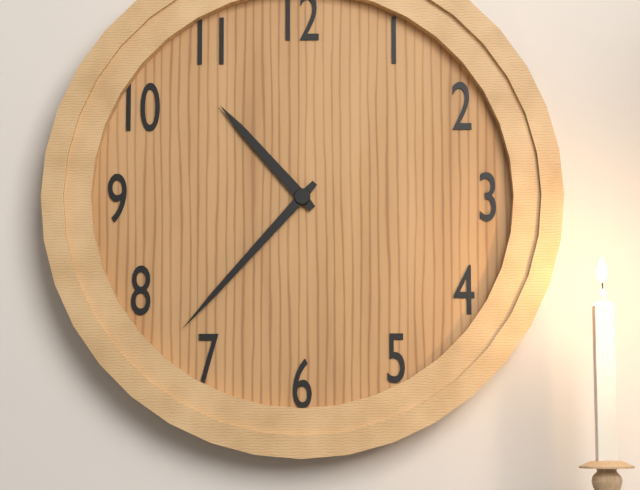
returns 10:37
